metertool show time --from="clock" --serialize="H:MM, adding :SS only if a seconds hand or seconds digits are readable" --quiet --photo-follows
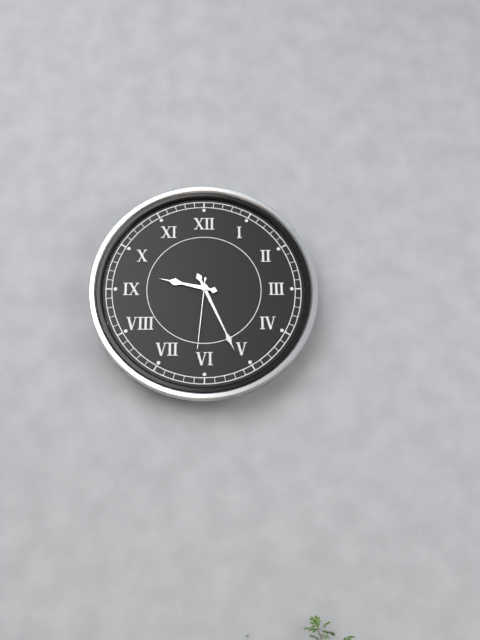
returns 9:26:31
